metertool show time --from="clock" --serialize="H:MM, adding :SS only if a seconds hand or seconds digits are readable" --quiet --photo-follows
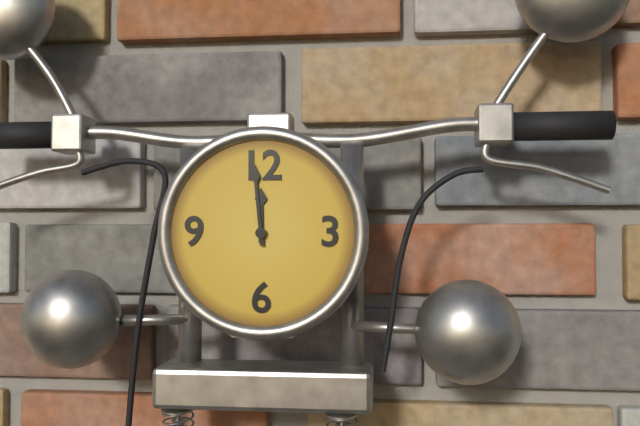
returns 11:59
